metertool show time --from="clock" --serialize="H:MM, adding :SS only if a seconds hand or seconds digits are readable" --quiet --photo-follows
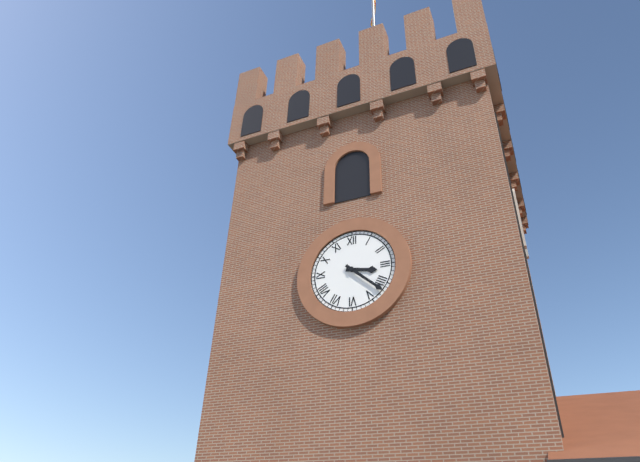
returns 3:22
